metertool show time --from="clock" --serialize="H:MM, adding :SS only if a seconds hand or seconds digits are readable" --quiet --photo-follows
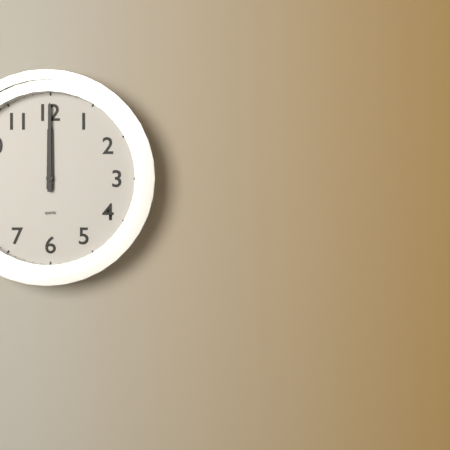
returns 12:00
